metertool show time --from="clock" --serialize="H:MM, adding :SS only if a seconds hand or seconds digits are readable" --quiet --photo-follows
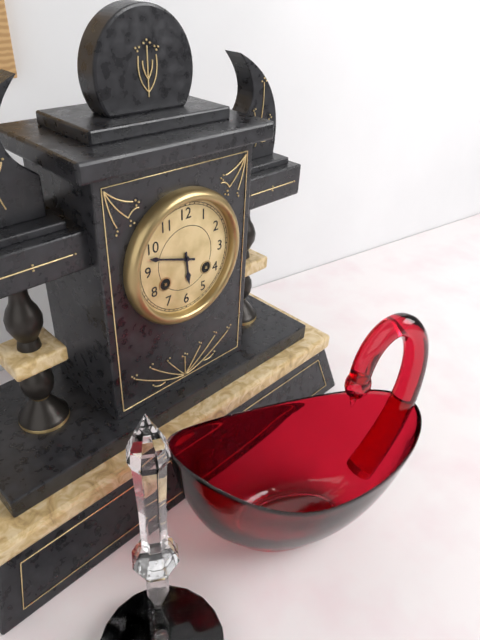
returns 5:48
